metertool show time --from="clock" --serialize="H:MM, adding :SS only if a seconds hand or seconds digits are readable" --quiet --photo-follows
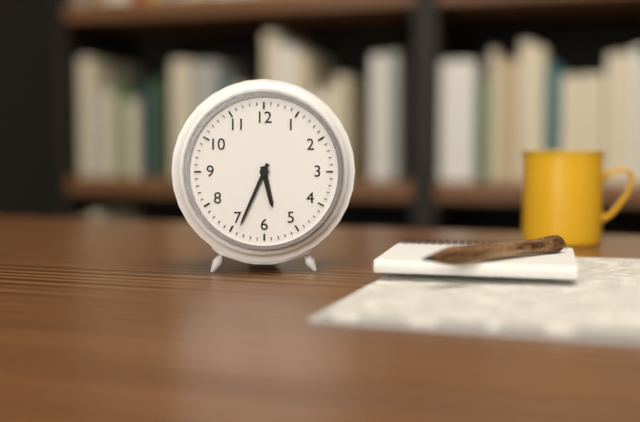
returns 5:34
